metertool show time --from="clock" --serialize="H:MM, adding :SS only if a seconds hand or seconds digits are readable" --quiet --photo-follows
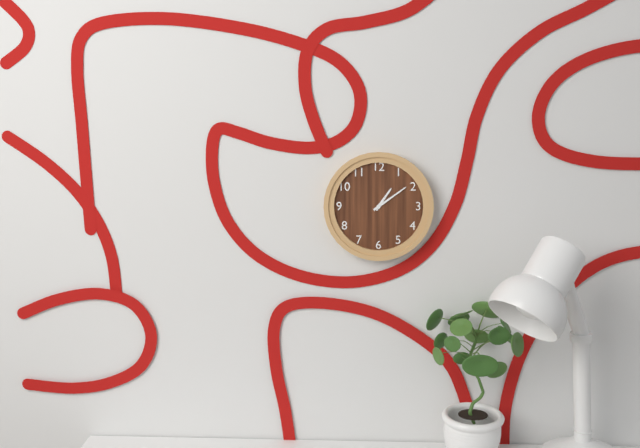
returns 1:09
